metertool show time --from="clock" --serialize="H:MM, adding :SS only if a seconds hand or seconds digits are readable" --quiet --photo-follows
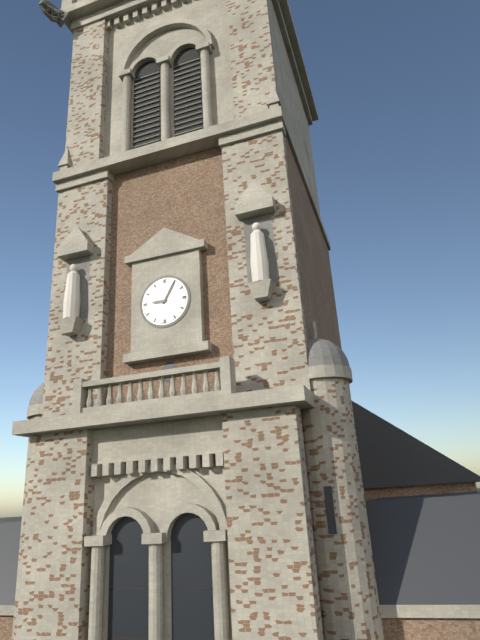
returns 9:05
